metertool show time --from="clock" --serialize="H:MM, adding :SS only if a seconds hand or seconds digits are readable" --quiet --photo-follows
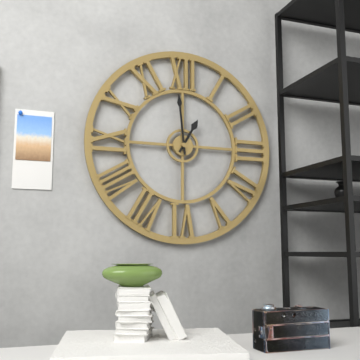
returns 12:59
